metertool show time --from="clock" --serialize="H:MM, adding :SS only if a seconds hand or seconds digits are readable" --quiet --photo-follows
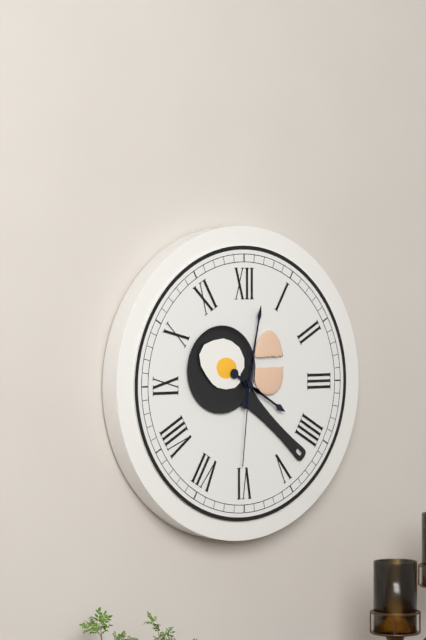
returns 4:02:31
